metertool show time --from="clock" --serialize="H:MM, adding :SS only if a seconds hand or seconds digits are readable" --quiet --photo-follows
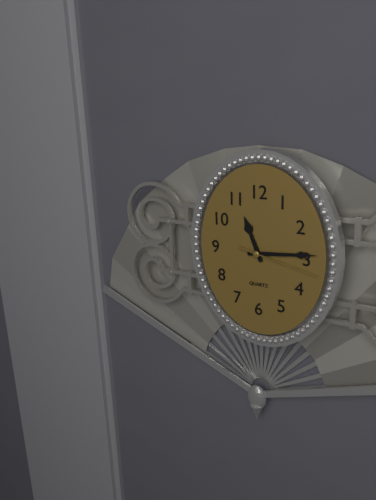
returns 11:14:17
